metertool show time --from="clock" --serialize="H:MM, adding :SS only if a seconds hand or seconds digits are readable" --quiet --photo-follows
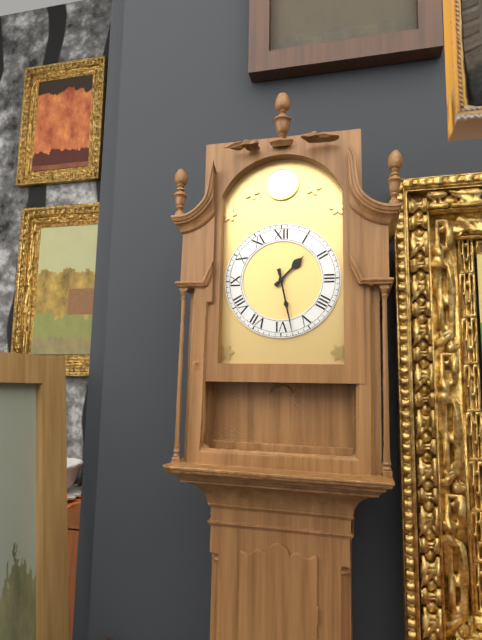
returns 1:28
